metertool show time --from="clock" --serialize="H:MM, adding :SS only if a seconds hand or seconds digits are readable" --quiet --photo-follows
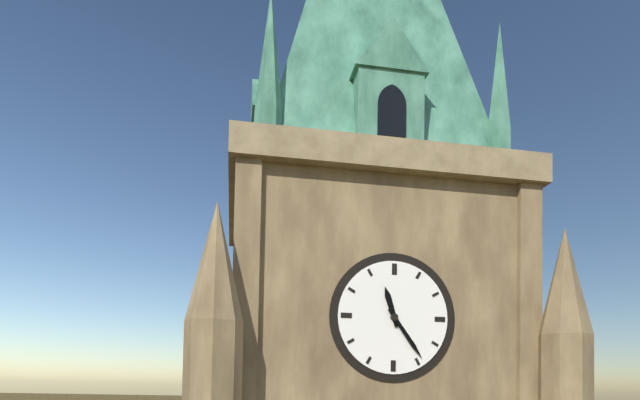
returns 11:24
